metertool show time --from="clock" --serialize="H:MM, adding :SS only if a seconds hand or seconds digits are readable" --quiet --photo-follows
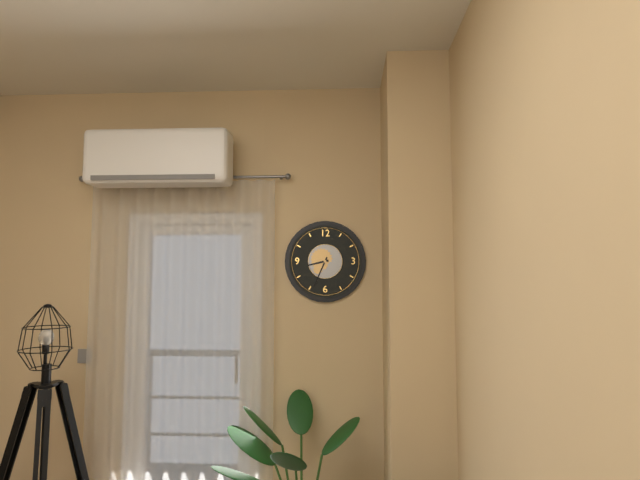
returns 8:34
